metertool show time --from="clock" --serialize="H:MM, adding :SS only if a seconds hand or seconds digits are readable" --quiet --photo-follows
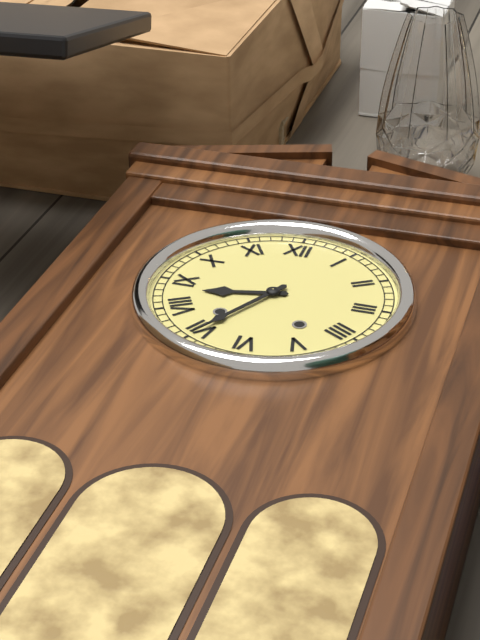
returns 8:35
